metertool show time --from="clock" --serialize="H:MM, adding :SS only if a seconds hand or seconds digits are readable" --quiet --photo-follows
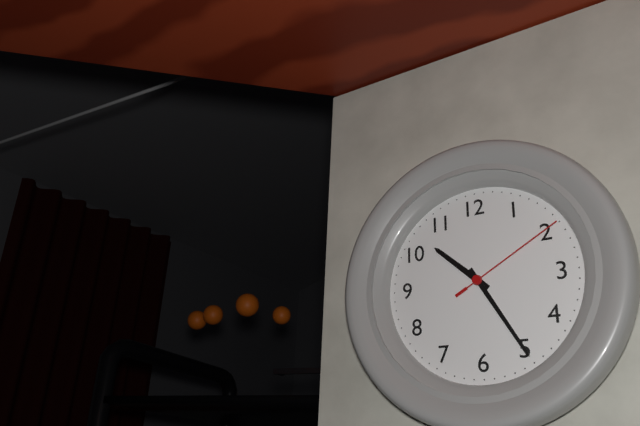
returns 10:25:10
